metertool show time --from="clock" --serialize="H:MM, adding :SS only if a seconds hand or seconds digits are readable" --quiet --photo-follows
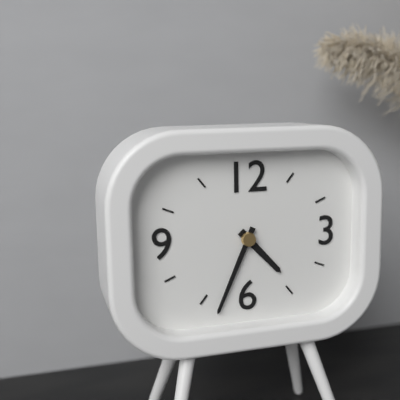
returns 4:34
